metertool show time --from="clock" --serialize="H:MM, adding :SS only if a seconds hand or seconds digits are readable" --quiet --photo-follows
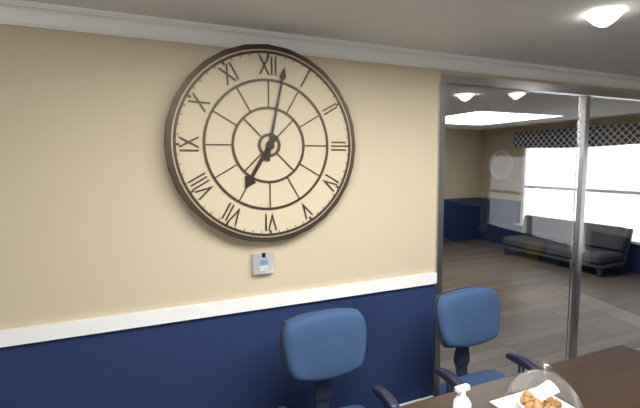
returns 7:02
